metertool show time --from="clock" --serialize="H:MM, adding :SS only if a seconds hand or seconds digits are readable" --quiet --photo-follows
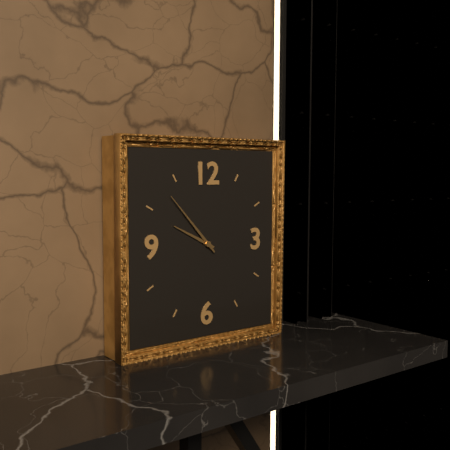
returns 9:53
